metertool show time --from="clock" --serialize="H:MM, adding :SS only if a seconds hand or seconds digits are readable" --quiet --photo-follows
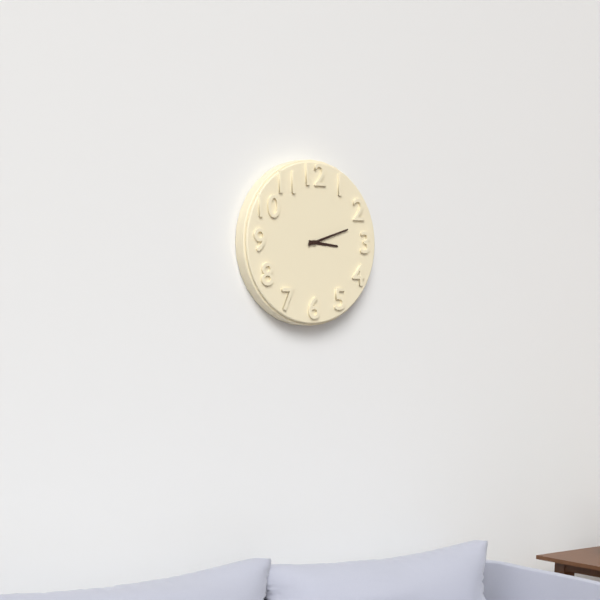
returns 3:12
